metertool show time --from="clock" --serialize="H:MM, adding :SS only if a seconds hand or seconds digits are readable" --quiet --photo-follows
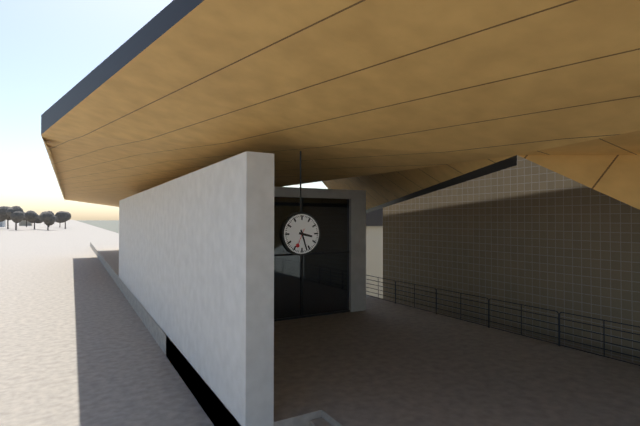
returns 3:27
